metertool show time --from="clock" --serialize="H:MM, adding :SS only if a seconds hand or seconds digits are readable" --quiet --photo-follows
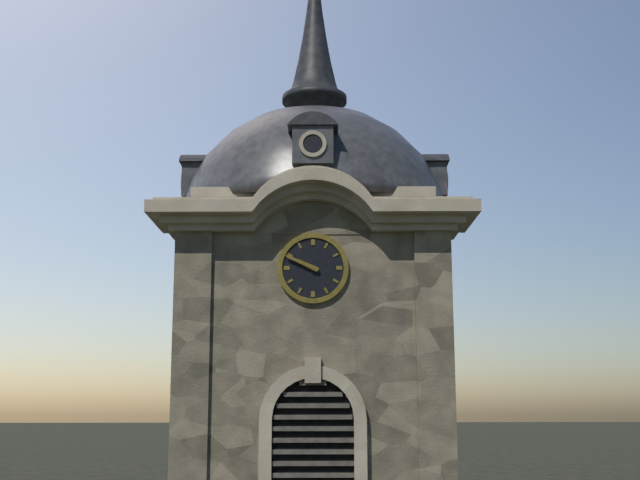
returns 9:49
